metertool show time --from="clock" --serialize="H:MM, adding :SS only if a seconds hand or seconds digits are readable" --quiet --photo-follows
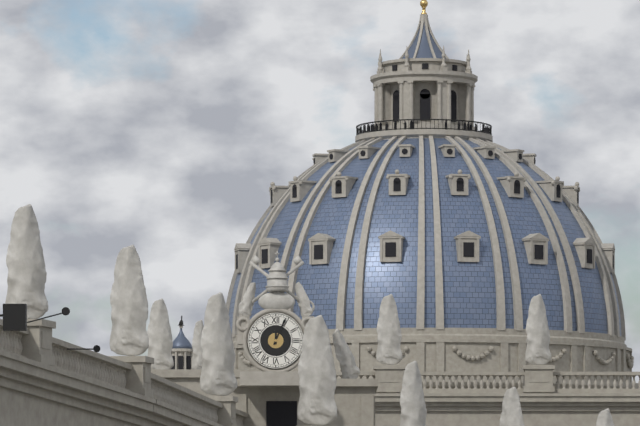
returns 12:04
